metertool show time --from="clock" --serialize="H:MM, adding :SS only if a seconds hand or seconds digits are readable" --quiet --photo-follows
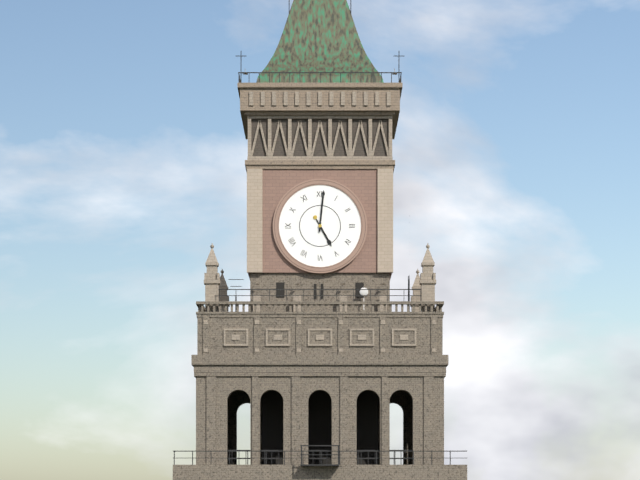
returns 5:01
